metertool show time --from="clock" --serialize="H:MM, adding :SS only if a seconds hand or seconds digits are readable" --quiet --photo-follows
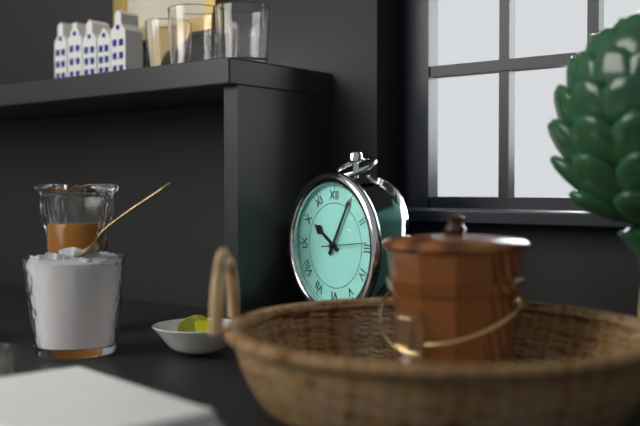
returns 10:05
